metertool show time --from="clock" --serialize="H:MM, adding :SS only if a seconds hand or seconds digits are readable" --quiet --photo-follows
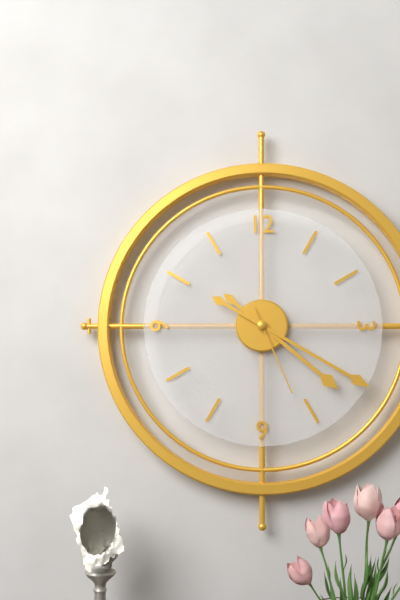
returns 4:20:26
